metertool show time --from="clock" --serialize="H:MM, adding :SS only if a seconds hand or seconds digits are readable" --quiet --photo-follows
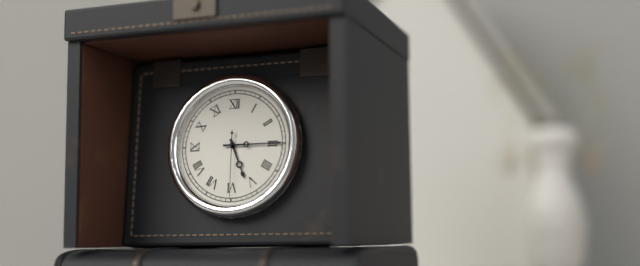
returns 5:15:30
